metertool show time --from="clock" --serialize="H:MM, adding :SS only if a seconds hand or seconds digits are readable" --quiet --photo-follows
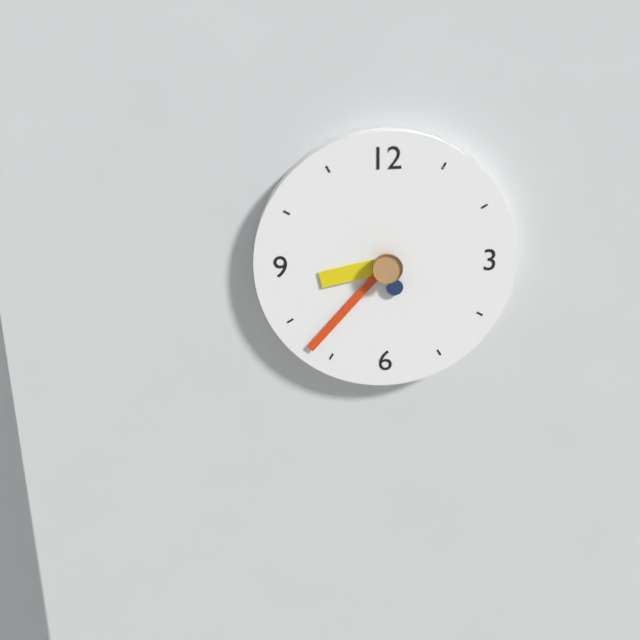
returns 8:37
